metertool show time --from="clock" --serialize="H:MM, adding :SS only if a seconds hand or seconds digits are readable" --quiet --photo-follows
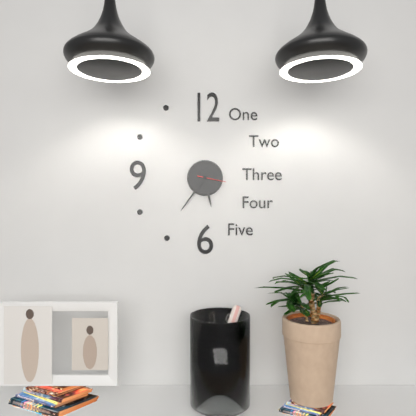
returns 5:36
